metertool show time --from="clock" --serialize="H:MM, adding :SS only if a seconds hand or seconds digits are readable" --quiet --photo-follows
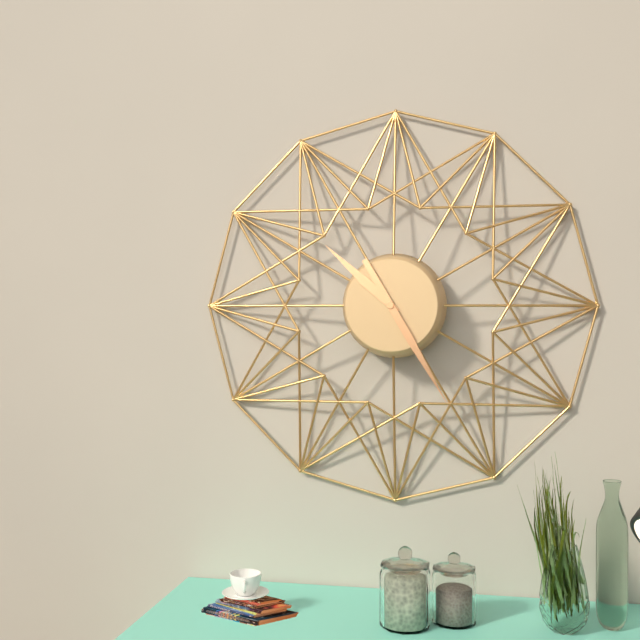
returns 10:25
